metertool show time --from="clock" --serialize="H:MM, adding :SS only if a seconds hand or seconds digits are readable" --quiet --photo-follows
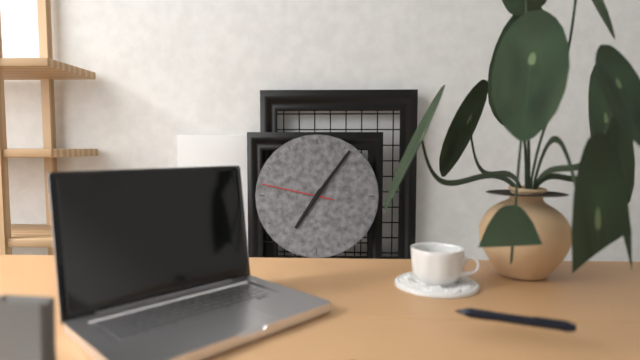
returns 7:06:47
